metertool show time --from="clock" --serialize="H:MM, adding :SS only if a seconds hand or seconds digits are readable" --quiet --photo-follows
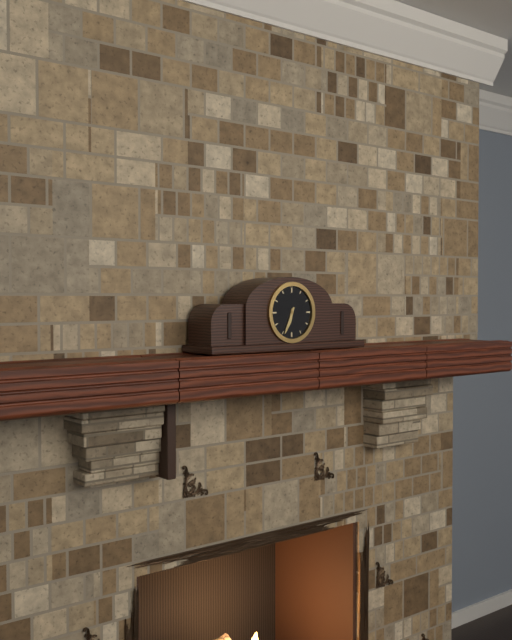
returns 6:34
